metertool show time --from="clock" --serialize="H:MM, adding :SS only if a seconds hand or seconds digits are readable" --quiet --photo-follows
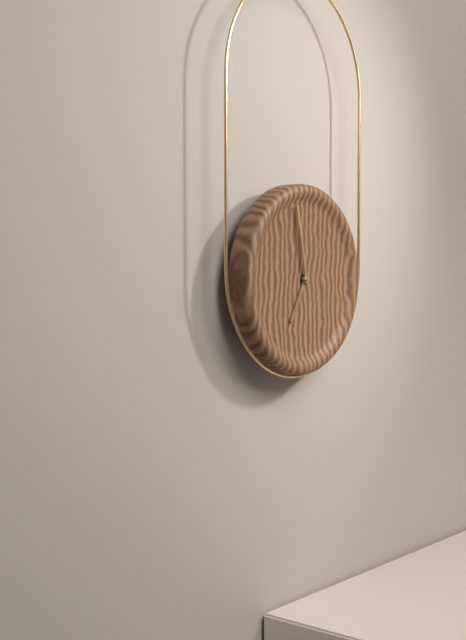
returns 6:58
